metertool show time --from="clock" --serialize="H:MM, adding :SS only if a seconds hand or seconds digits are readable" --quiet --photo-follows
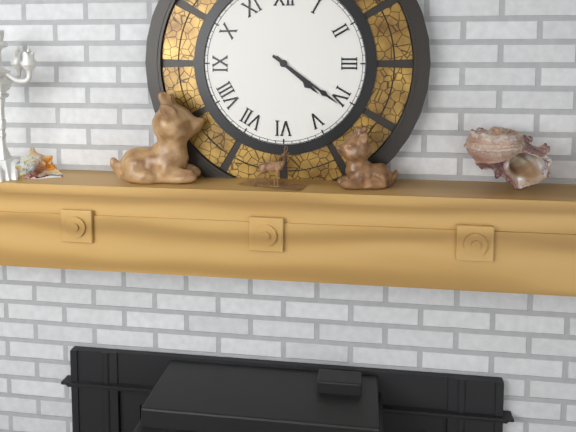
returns 4:21
